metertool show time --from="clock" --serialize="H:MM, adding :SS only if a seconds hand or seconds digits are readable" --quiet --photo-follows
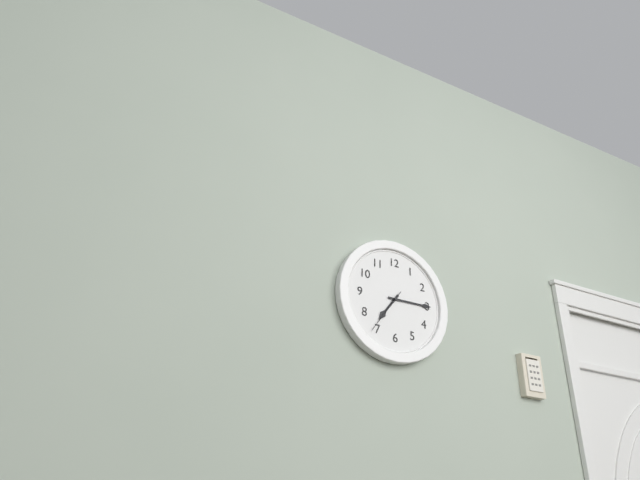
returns 7:15
